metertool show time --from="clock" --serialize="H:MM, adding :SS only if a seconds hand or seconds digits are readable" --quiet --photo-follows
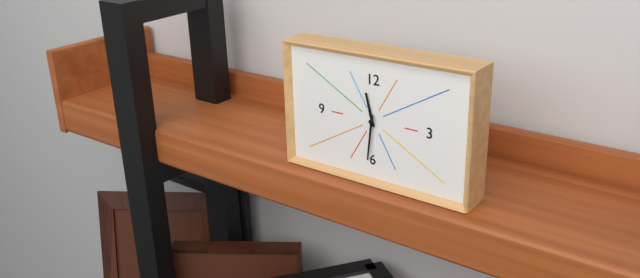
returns 11:31
